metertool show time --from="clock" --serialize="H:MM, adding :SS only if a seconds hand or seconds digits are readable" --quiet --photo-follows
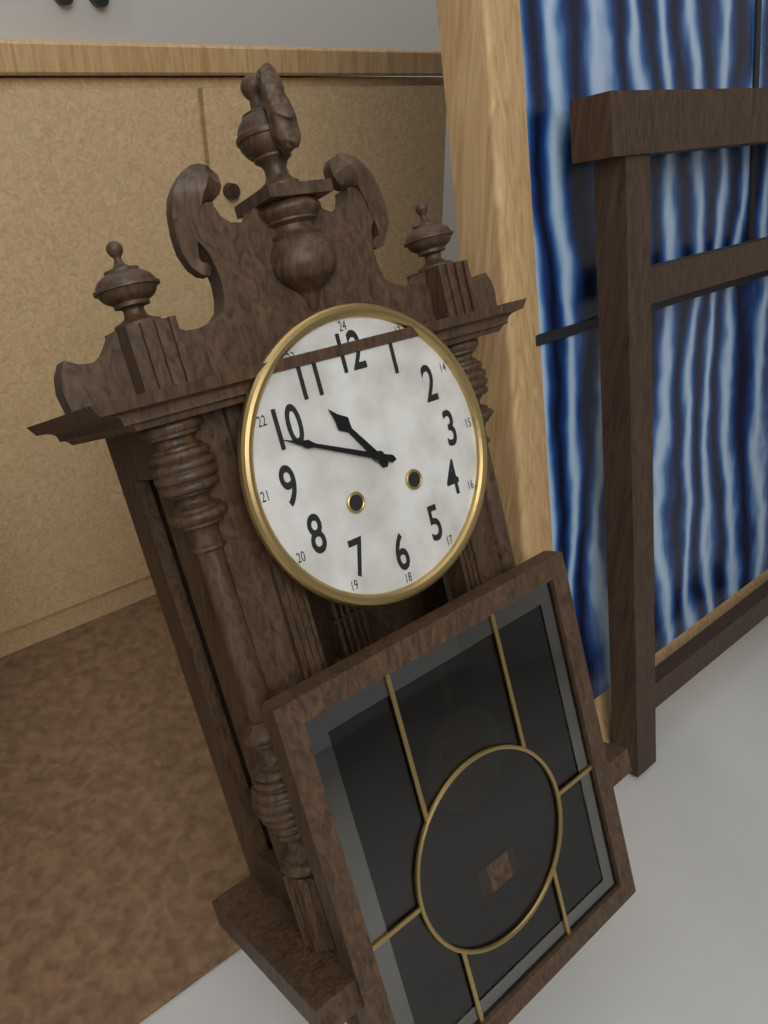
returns 10:49
